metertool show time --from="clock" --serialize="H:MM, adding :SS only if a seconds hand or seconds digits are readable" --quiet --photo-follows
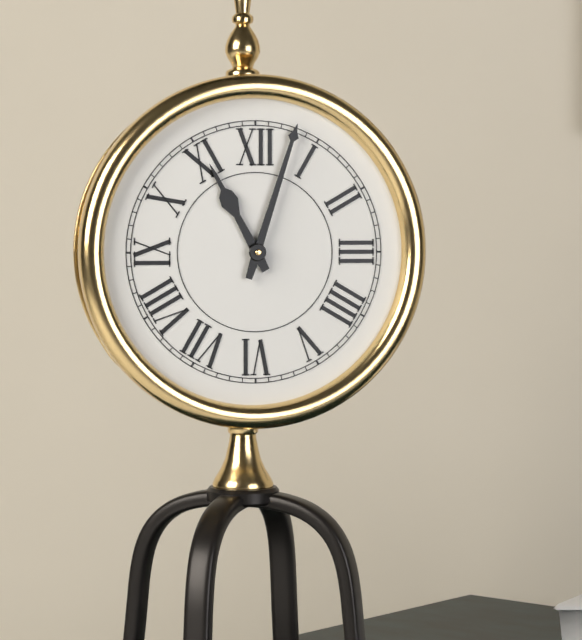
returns 11:03
